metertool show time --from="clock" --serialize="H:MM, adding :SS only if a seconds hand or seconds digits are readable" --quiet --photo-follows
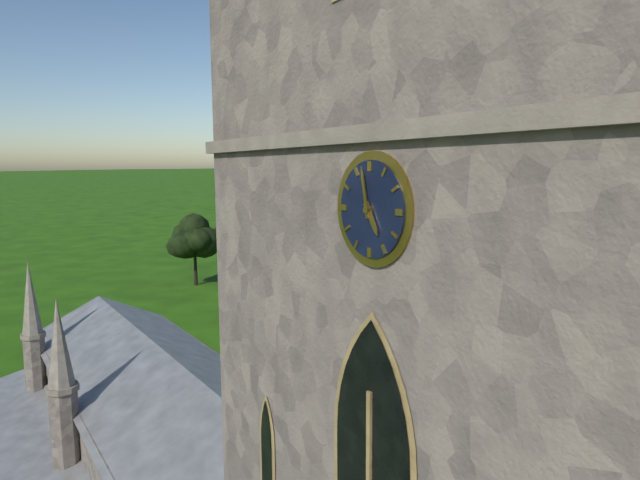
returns 4:58
